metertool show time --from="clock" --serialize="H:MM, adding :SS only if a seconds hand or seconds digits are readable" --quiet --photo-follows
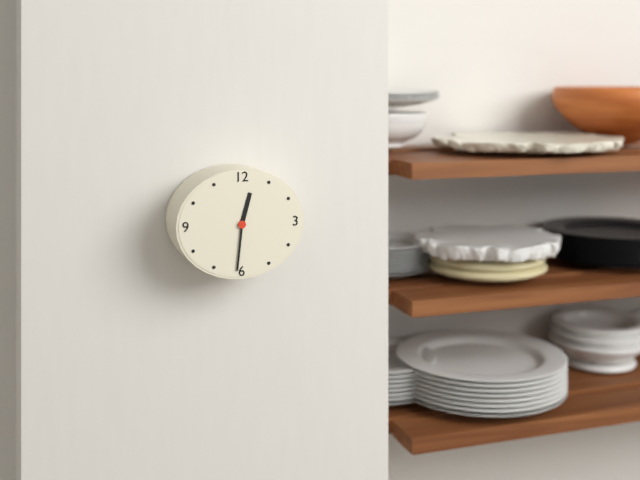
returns 12:31
